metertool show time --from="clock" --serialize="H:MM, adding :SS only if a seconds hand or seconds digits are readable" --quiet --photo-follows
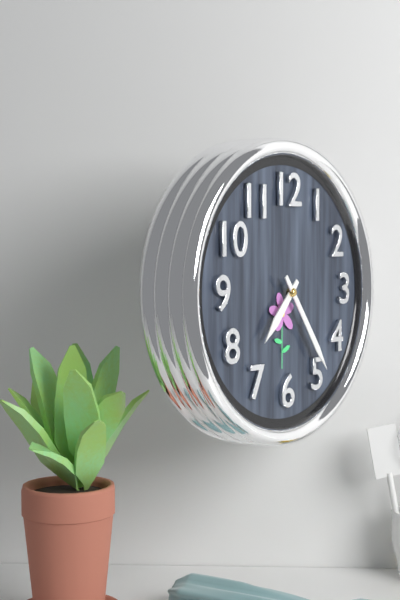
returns 7:24
